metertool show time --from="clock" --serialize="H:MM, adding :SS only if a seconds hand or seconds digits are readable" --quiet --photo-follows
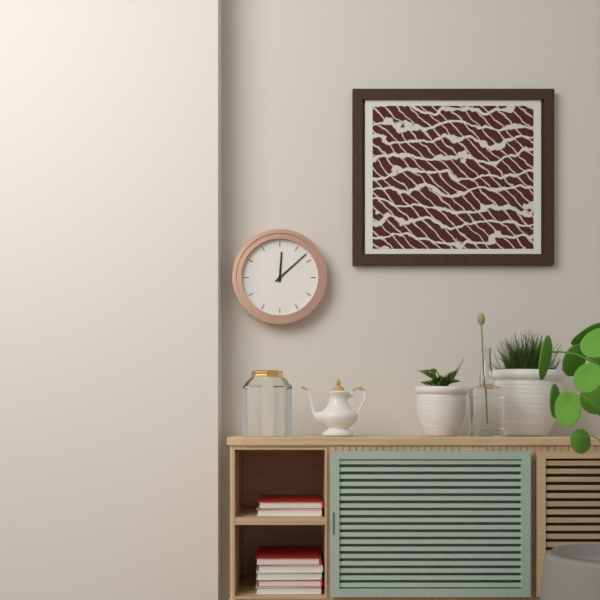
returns 12:08
